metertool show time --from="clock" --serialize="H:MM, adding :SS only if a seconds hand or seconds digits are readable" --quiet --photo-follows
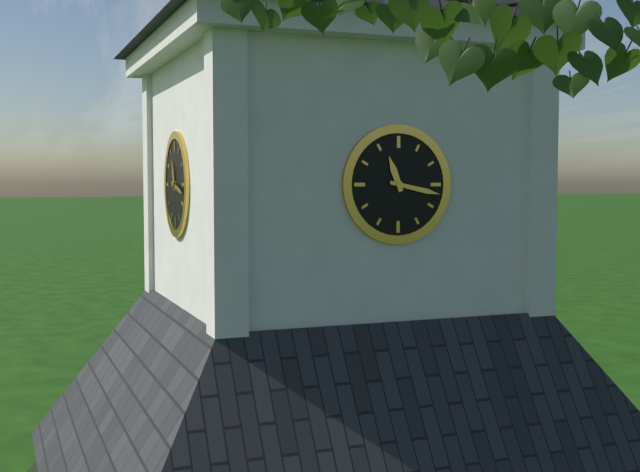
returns 11:17
